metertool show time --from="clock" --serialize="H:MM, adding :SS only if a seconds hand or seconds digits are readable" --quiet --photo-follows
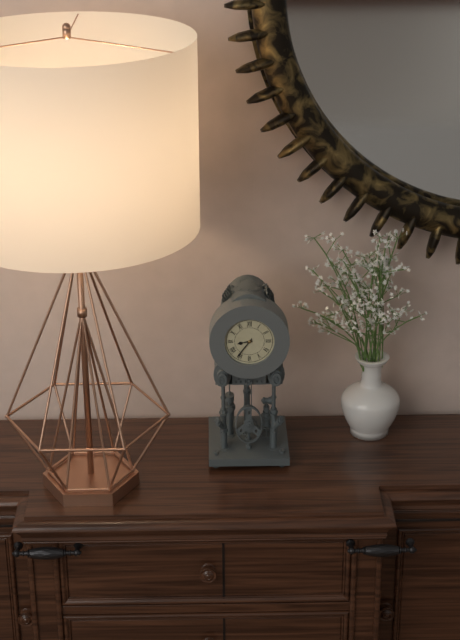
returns 8:36
